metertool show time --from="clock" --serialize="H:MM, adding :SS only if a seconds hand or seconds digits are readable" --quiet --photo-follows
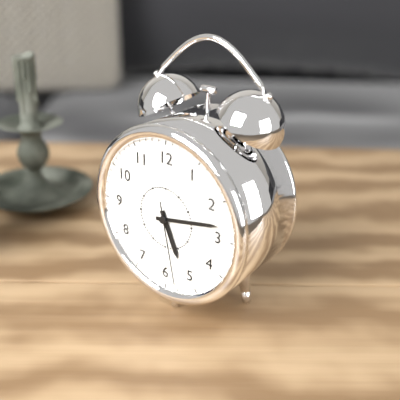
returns 5:13:28
